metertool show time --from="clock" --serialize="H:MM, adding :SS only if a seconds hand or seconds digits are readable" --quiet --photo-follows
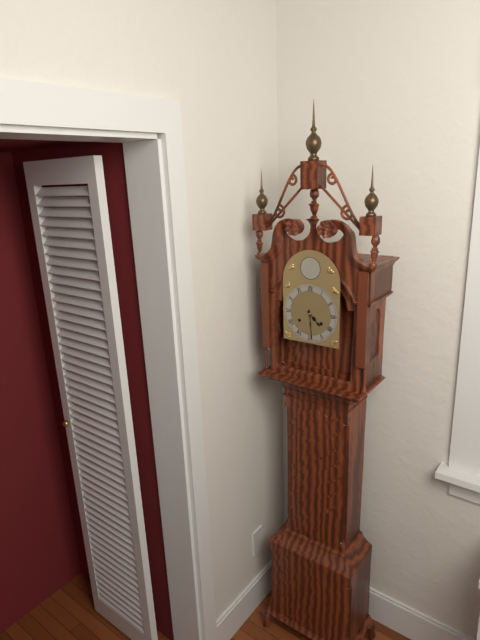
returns 4:29
